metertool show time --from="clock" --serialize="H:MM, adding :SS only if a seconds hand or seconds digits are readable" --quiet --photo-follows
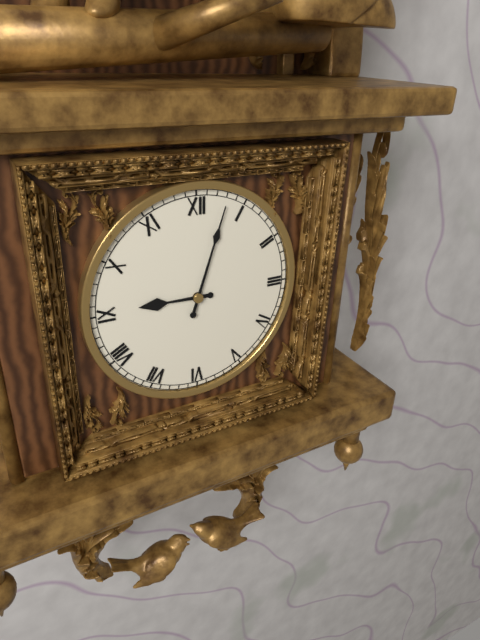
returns 9:03
